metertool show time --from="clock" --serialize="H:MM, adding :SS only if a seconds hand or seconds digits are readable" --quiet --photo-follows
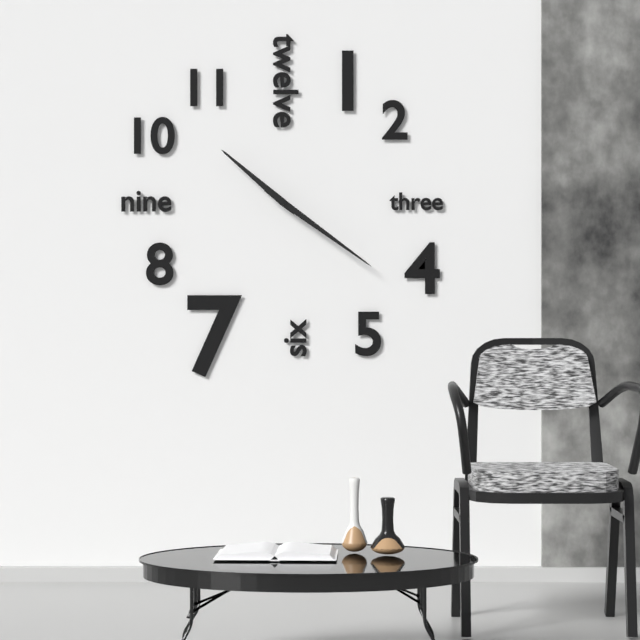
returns 10:21
